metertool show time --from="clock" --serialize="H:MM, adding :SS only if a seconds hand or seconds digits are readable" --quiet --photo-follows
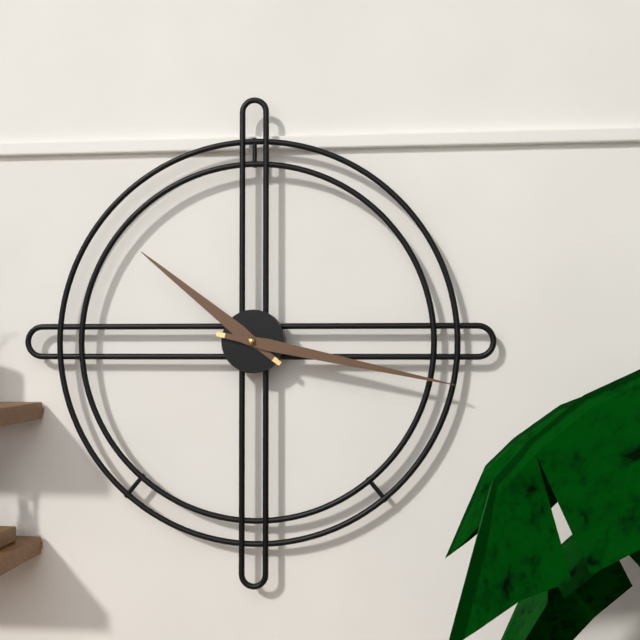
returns 10:17
